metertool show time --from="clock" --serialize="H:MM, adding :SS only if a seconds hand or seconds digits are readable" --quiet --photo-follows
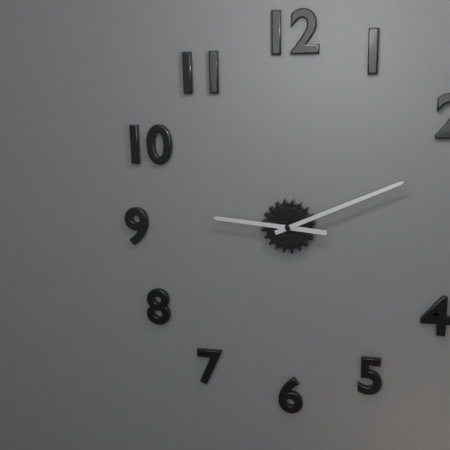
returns 9:11
